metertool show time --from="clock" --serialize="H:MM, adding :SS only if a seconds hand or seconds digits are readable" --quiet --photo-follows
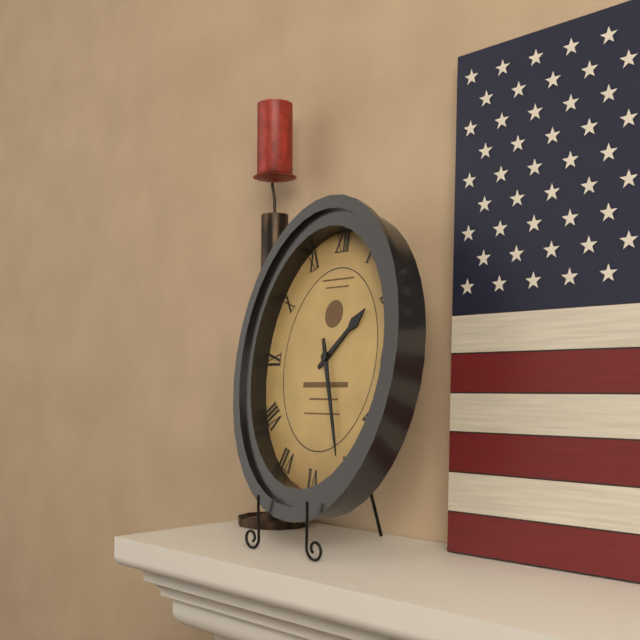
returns 1:27
